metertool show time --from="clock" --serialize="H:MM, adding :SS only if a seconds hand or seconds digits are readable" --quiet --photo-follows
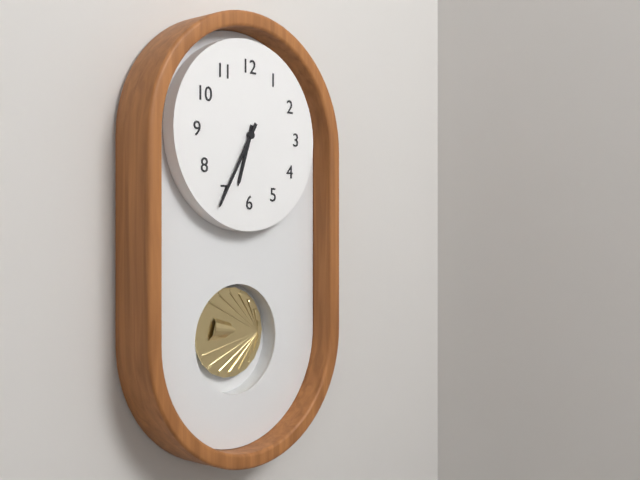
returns 6:35
